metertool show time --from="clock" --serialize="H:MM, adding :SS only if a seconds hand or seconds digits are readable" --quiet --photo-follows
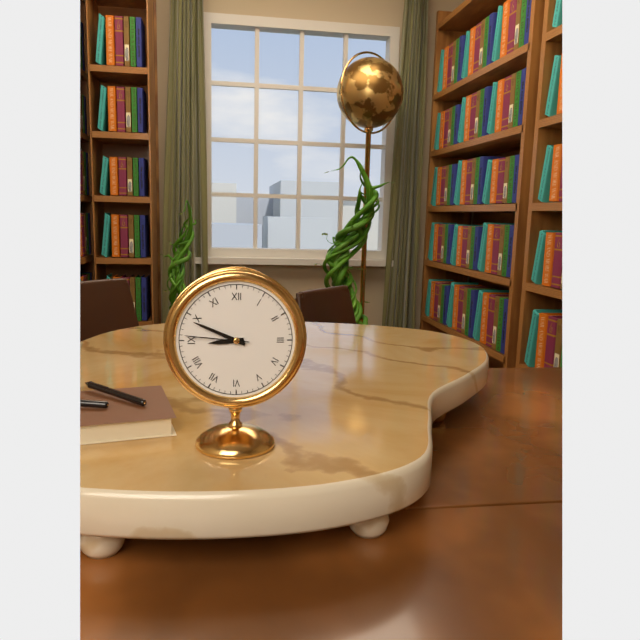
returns 8:49:46
